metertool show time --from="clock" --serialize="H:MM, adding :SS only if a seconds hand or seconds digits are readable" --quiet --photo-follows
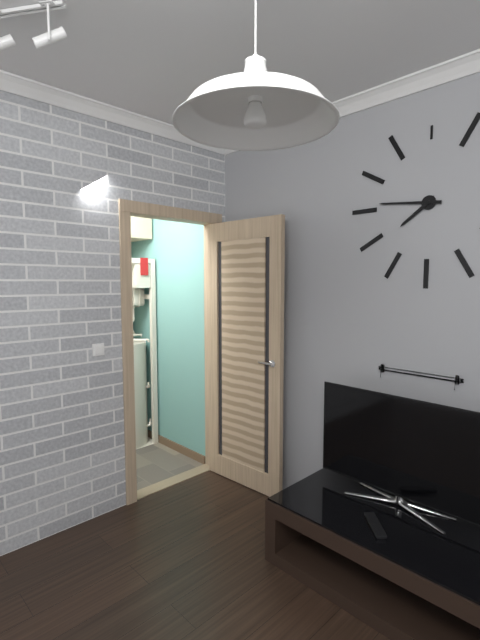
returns 7:46
